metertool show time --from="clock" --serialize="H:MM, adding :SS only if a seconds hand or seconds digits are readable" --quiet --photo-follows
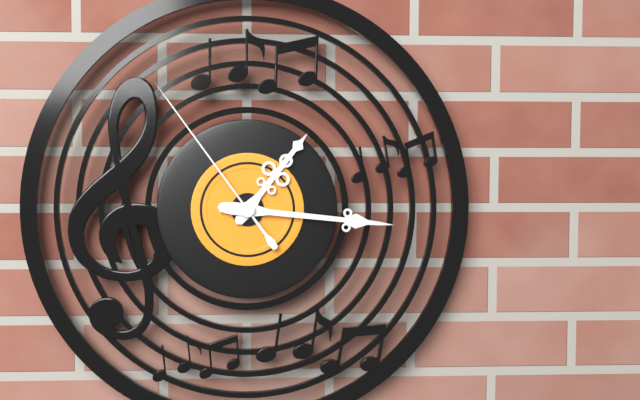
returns 1:16:54
